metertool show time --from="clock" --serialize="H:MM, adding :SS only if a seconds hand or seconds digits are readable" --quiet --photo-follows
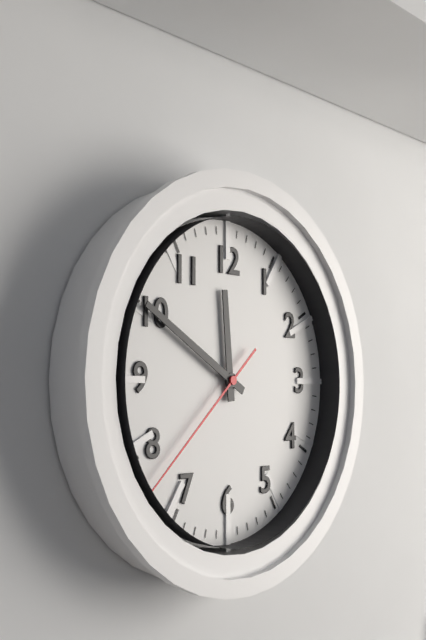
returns 11:50:38
